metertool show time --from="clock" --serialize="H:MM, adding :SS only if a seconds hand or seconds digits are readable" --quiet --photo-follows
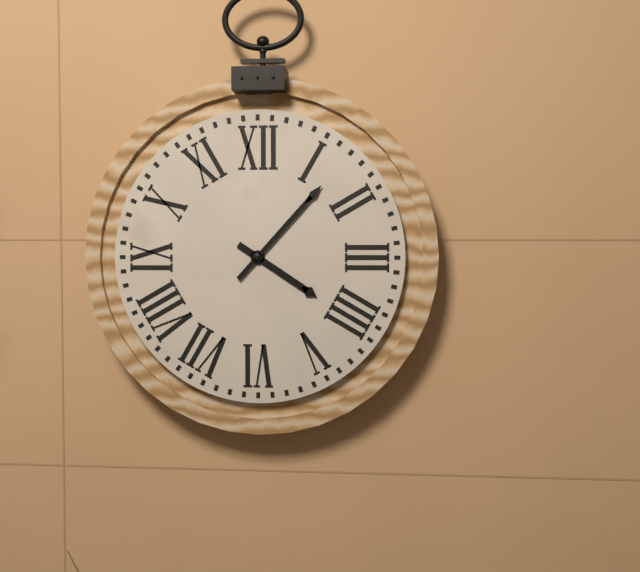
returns 4:07
